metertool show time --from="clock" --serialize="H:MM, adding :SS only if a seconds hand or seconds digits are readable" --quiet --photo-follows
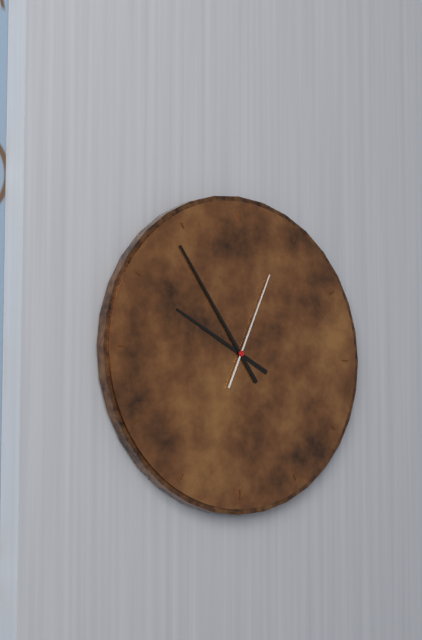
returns 9:54:04
